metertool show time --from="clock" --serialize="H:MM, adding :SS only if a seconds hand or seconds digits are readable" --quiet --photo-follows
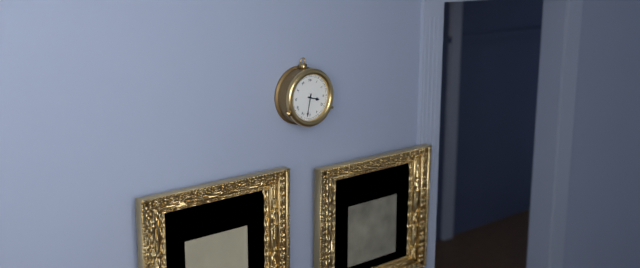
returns 3:32
